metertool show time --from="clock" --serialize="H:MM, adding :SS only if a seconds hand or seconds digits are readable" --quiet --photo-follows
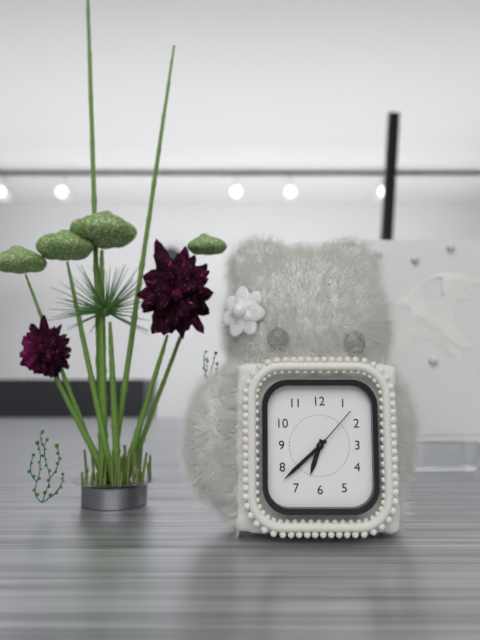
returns 6:38:07
